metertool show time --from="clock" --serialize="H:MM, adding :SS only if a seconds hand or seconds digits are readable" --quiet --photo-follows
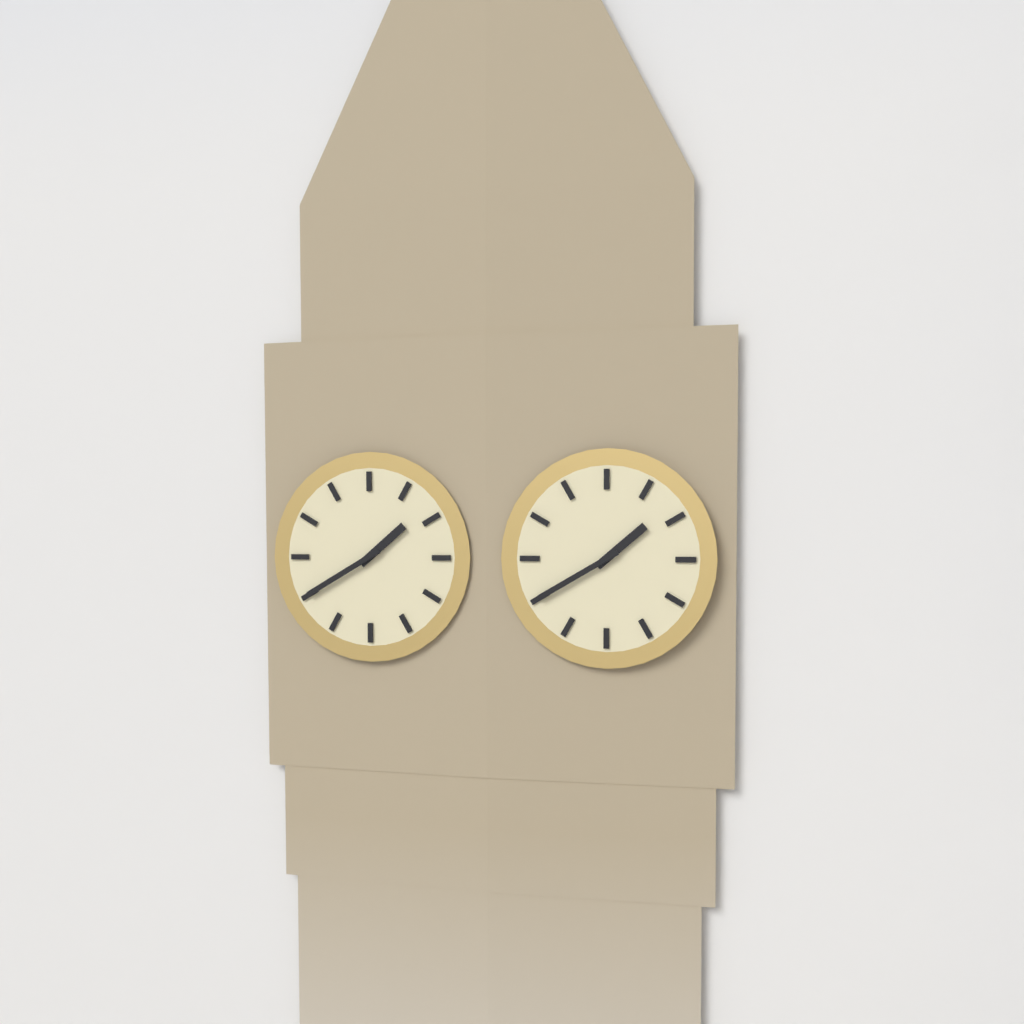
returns 1:40
